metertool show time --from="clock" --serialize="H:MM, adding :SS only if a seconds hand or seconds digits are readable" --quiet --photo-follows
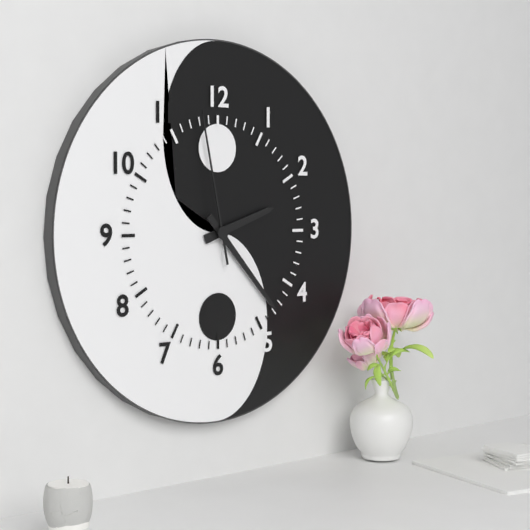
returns 2:23:58
